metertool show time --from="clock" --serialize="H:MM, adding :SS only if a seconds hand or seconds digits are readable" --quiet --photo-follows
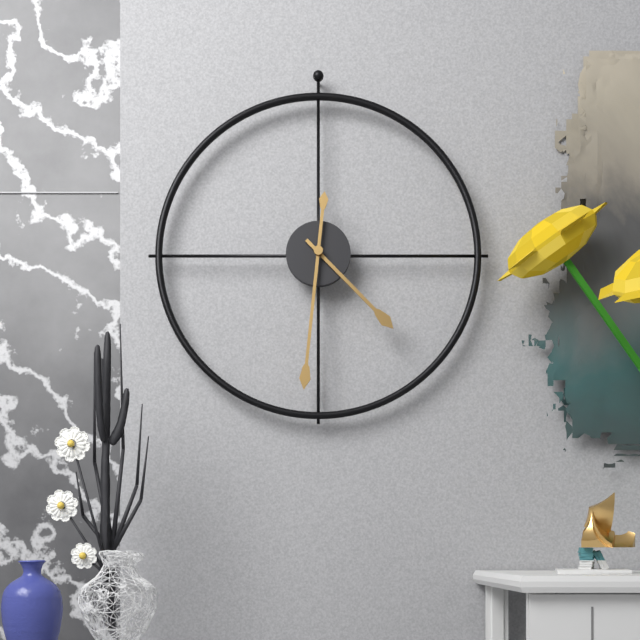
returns 4:31
